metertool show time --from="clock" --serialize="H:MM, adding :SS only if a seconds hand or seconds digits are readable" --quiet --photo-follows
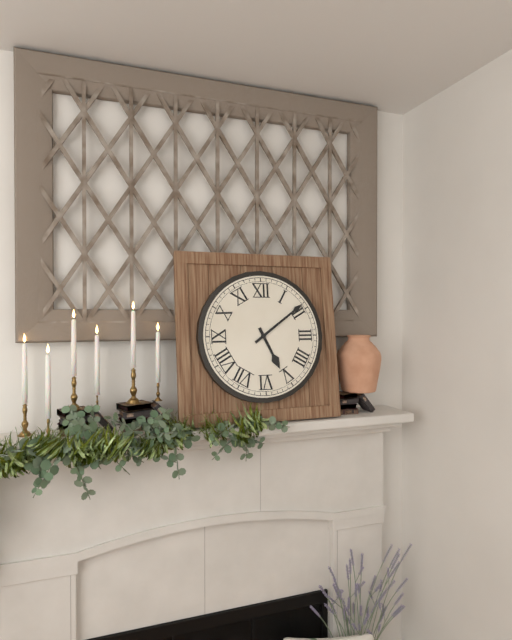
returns 5:09
